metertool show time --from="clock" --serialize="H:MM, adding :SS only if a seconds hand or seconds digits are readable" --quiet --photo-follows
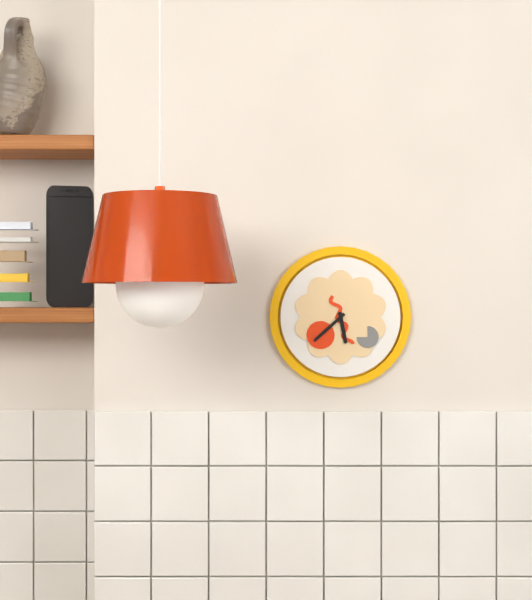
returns 5:38
